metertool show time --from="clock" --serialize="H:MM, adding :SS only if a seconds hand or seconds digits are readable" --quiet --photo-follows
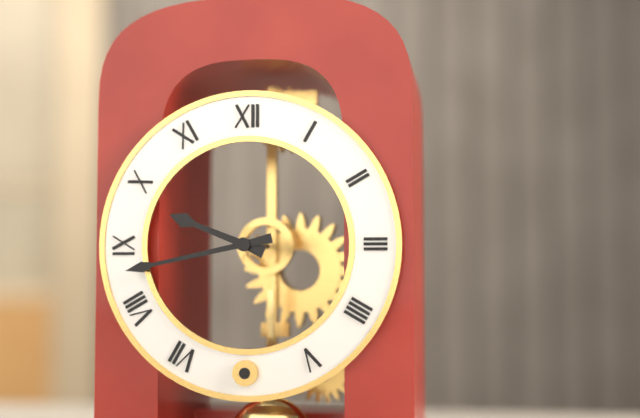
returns 9:43
